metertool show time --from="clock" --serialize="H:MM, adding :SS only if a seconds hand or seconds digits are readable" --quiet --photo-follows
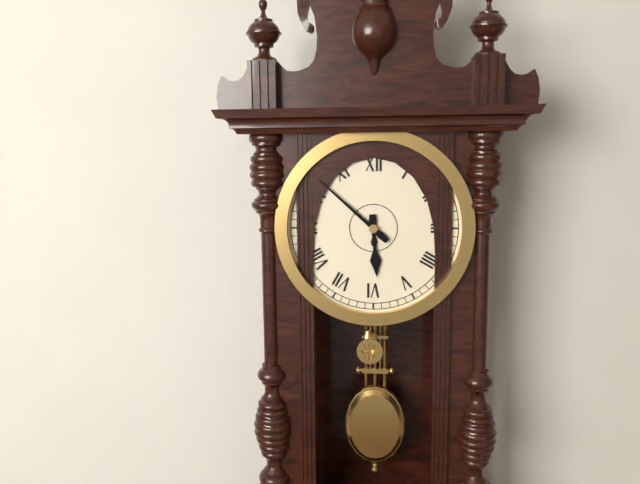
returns 5:52
